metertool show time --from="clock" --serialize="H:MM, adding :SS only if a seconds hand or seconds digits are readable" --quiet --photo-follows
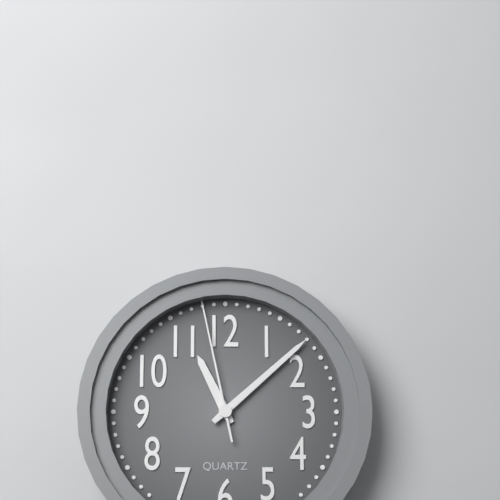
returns 11:08:58
